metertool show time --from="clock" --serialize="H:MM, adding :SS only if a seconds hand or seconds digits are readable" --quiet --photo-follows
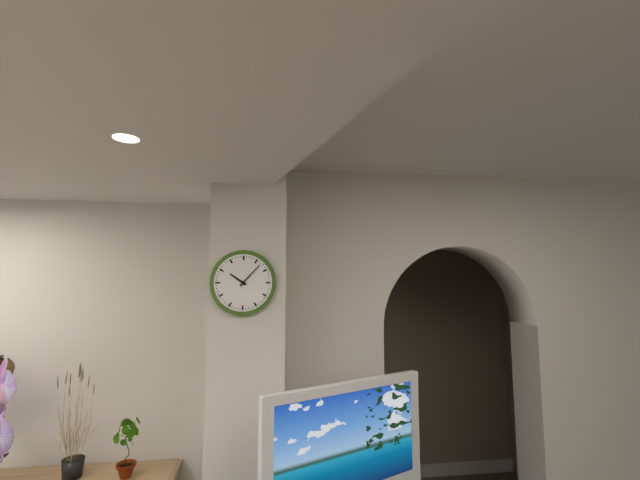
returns 10:07
